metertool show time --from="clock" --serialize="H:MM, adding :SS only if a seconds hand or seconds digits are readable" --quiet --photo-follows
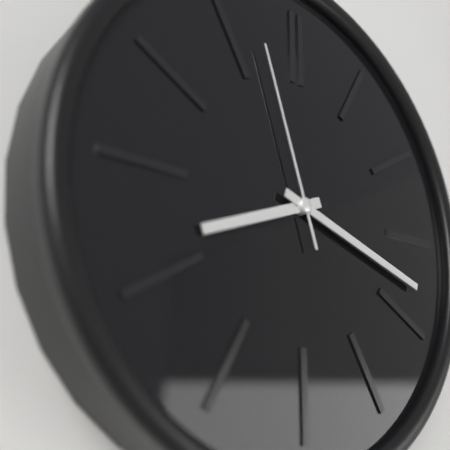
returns 8:18:57
